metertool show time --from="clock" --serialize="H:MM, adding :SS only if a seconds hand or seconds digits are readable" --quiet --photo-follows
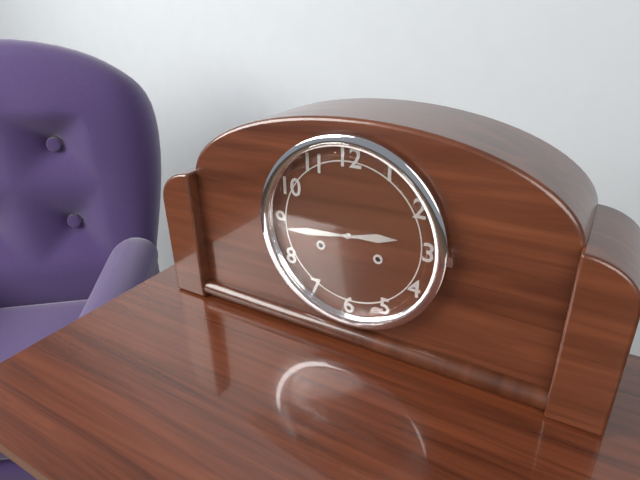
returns 2:44
